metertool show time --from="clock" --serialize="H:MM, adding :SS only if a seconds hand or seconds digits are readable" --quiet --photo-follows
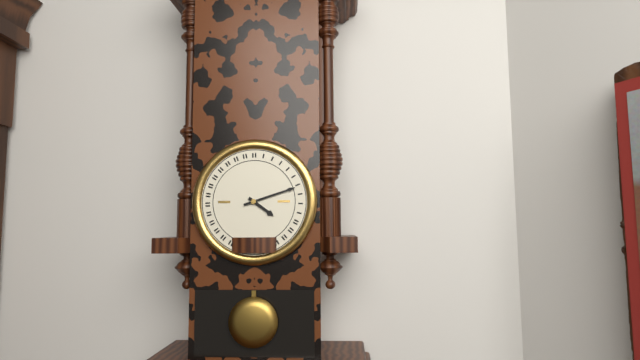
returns 4:12
